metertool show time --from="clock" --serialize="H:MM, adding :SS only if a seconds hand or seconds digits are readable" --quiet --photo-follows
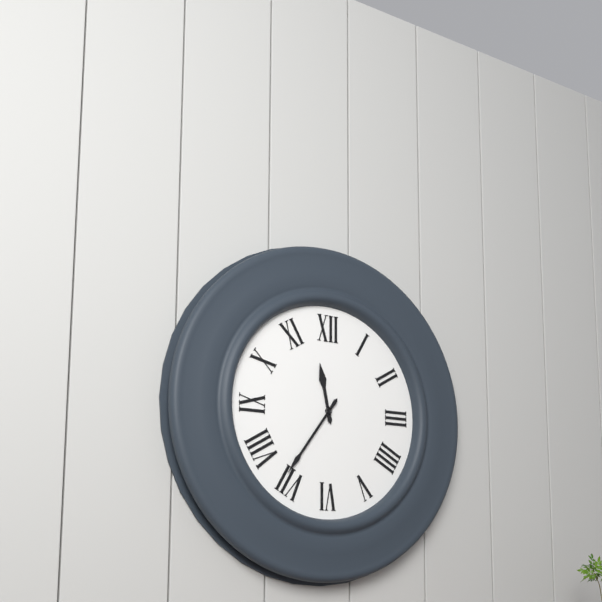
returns 11:36
